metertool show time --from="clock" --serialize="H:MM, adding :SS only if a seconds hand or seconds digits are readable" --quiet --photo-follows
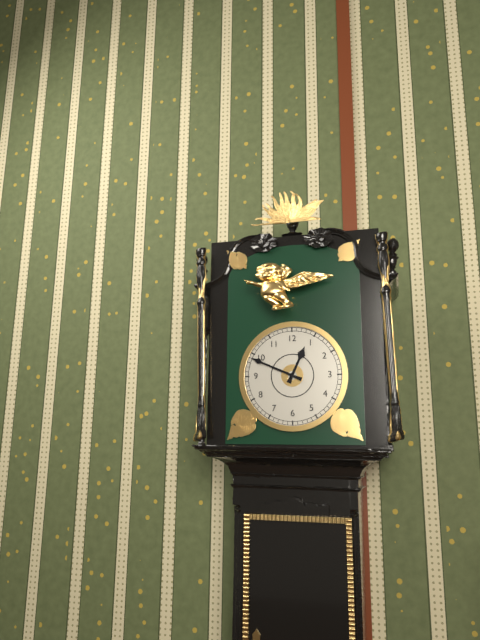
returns 12:49
